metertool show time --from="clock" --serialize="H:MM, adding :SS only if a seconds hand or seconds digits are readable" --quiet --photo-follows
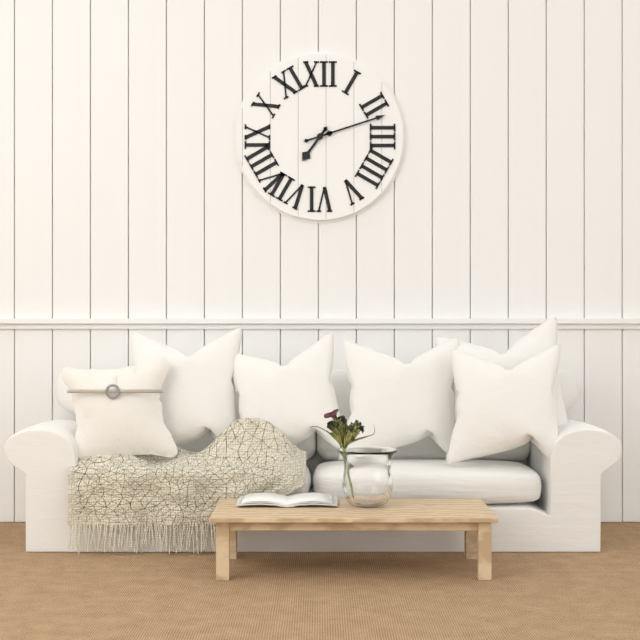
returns 7:12
